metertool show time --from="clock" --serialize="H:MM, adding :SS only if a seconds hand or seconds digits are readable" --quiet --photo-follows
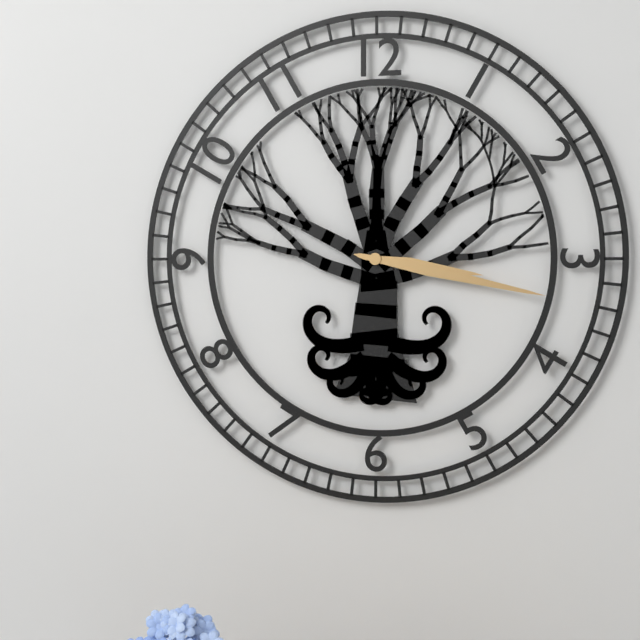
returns 3:17
